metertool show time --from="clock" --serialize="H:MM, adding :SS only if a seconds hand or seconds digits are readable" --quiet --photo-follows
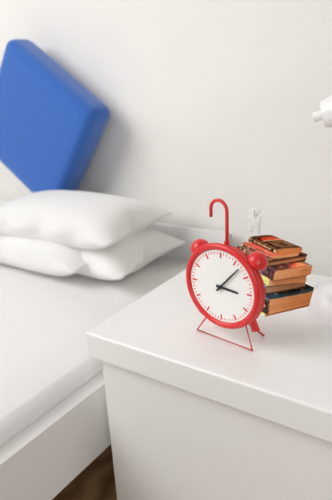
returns 3:07
